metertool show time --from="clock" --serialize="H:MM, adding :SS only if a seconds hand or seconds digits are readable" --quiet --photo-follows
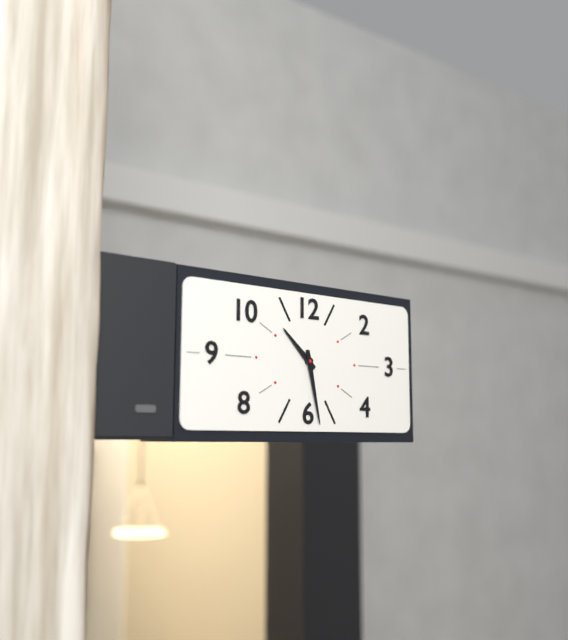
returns 10:28
